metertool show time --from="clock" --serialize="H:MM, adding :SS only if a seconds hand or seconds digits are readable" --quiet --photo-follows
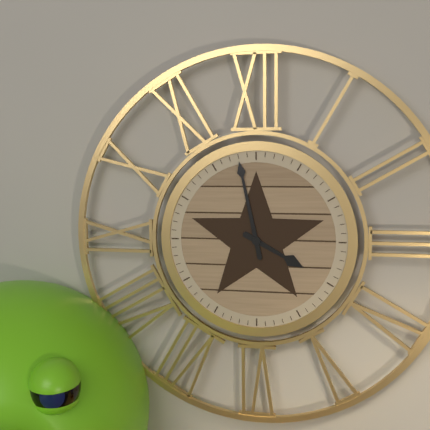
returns 3:58
